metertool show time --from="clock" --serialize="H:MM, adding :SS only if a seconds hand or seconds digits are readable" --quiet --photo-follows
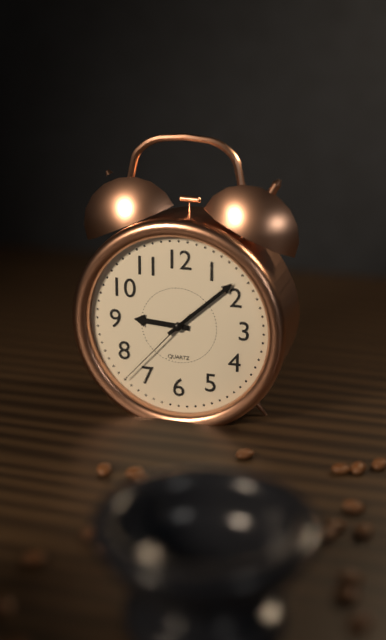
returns 9:08:37
